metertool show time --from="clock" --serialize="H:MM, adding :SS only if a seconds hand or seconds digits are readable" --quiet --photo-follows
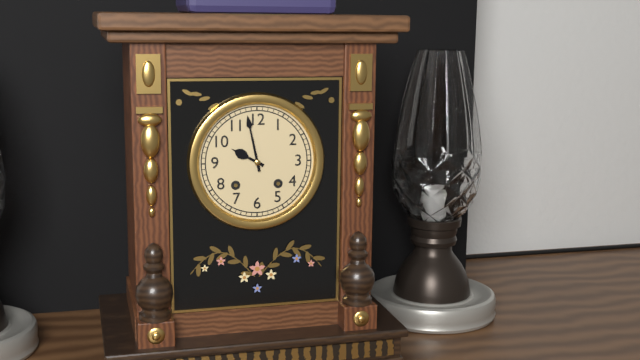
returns 9:58
